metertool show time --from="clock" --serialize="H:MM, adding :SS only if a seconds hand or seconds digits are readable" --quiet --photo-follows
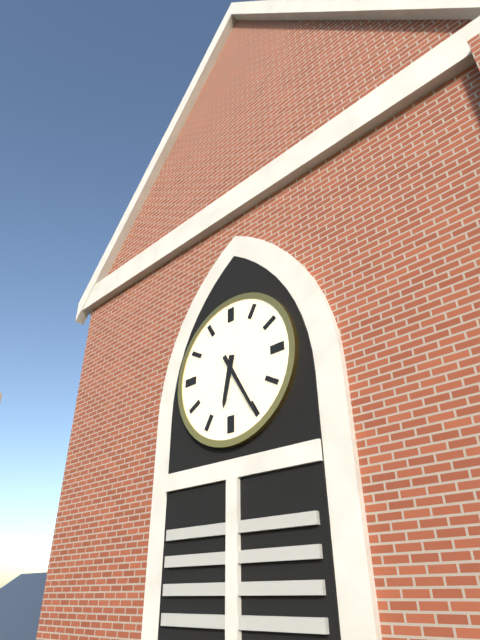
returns 6:25
